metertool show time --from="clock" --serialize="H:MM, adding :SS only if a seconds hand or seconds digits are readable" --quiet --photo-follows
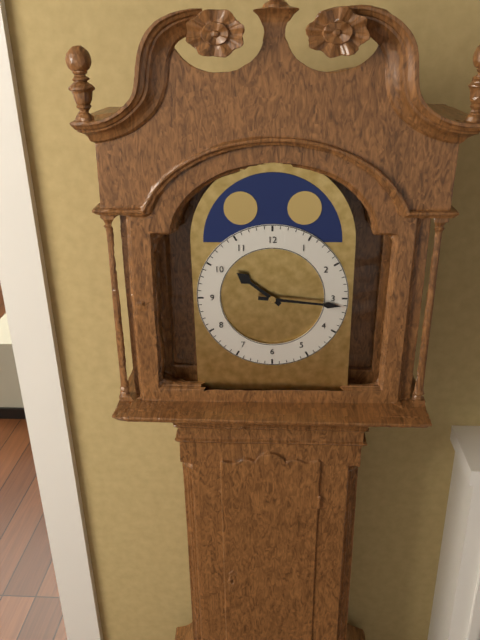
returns 10:16
